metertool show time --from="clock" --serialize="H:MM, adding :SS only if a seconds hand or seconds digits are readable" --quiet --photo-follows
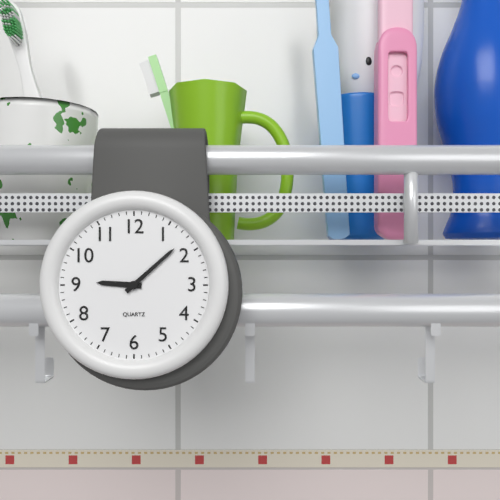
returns 9:08
